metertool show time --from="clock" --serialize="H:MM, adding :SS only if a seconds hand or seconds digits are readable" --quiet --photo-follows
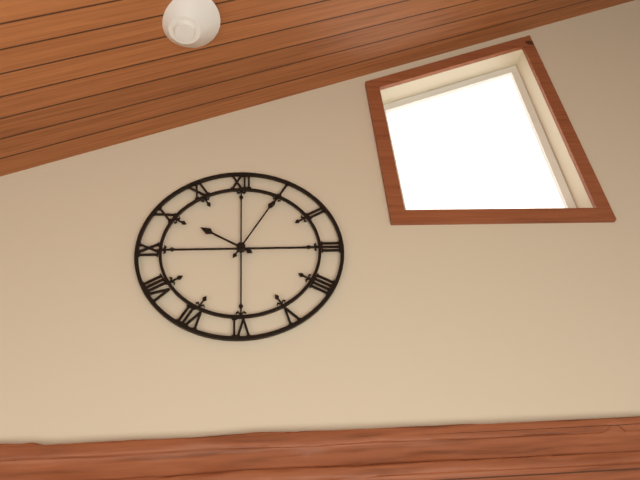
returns 10:05
